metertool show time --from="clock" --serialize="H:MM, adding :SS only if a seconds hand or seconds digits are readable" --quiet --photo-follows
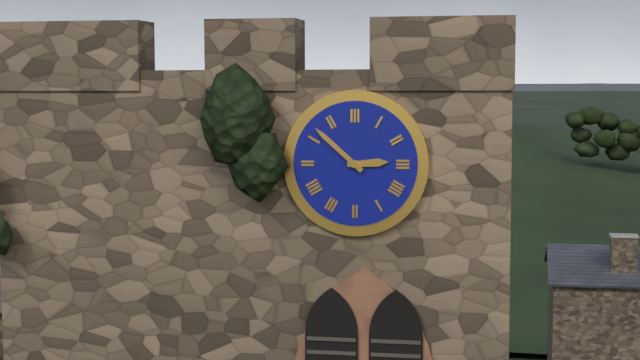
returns 2:52
